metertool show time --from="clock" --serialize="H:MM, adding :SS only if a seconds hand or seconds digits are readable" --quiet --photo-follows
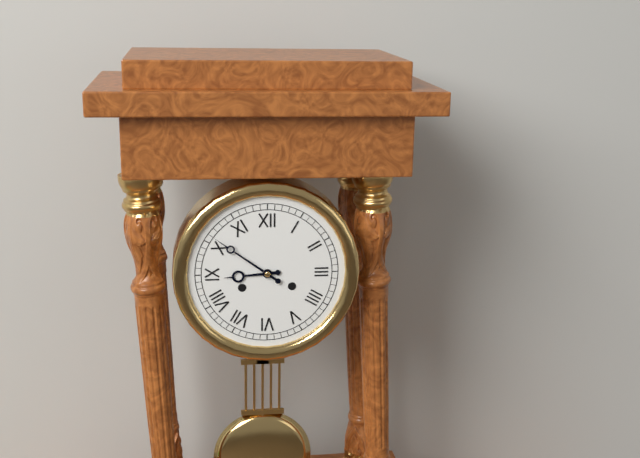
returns 8:51
